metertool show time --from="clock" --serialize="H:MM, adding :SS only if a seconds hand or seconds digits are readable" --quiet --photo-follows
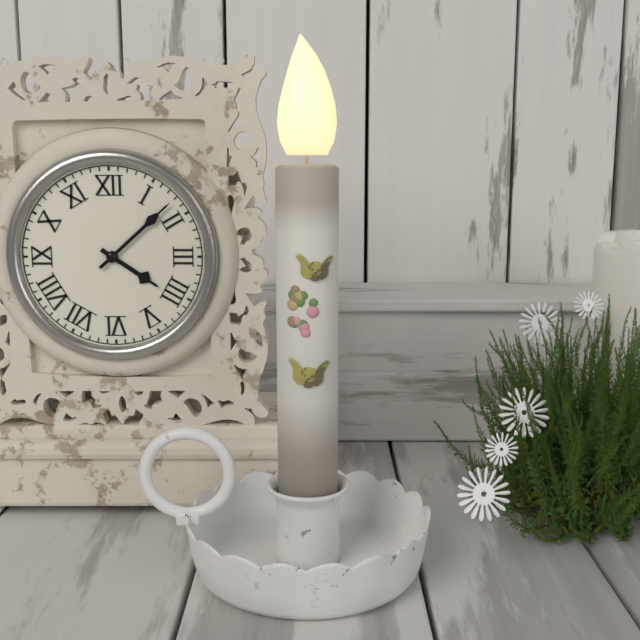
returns 4:08
